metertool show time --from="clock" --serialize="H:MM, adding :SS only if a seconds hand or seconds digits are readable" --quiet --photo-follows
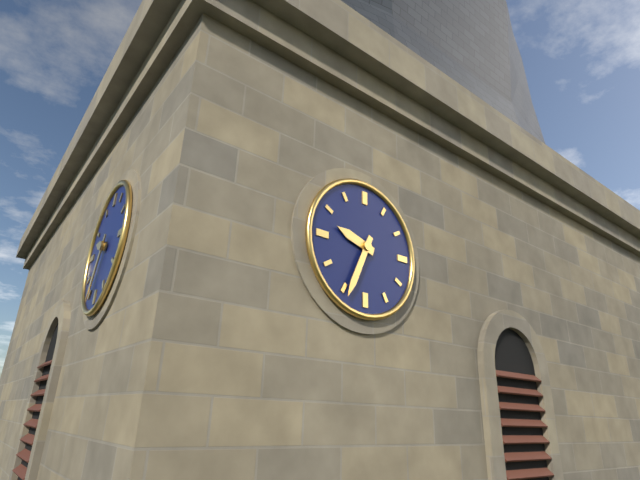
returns 9:34
